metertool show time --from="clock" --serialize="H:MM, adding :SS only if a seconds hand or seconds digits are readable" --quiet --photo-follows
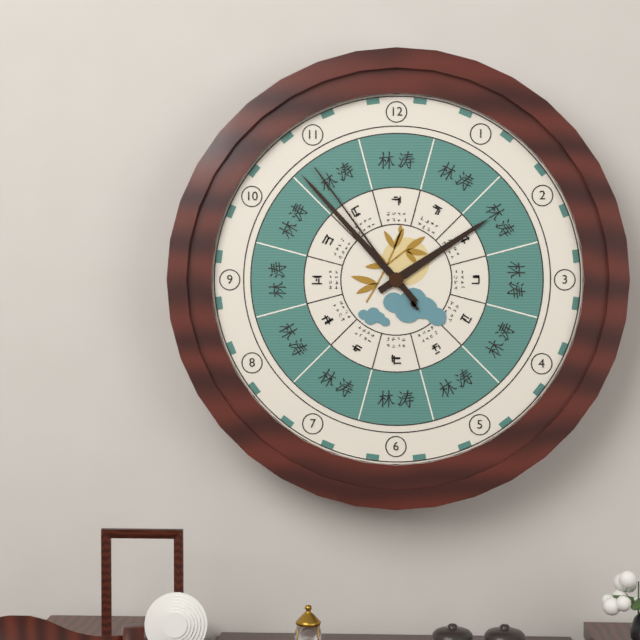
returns 1:53:54
